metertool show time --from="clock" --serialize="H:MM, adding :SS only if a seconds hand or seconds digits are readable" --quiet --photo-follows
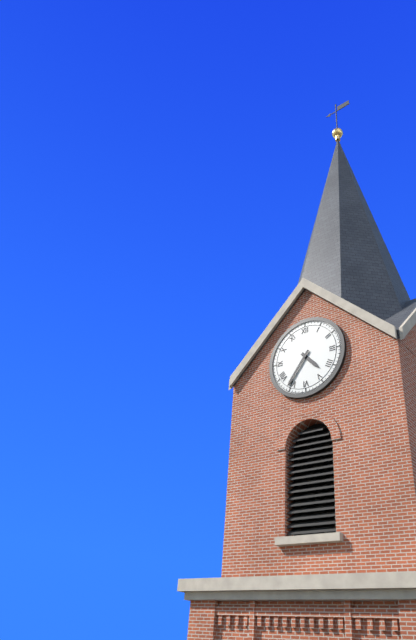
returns 4:36
